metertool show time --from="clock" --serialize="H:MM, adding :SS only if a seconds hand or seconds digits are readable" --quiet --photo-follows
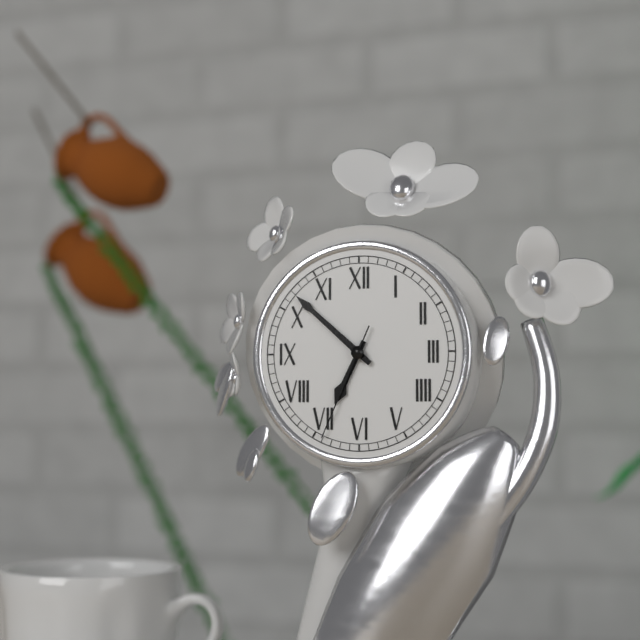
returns 6:52:34
